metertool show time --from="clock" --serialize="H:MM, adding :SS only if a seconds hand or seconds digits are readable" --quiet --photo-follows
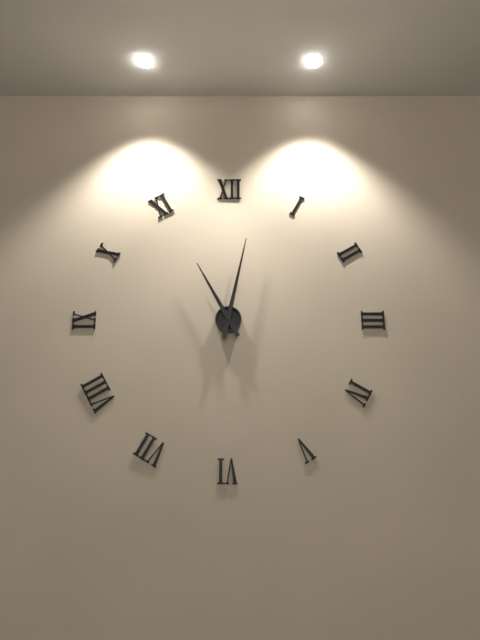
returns 11:02
